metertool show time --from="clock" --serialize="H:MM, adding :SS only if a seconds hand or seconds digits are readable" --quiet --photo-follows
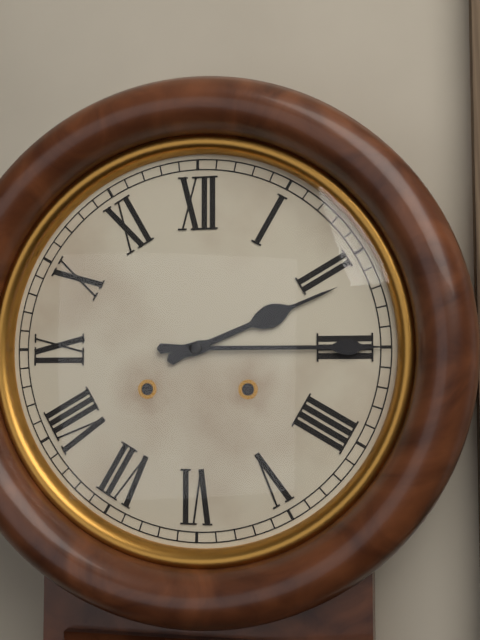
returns 2:15
